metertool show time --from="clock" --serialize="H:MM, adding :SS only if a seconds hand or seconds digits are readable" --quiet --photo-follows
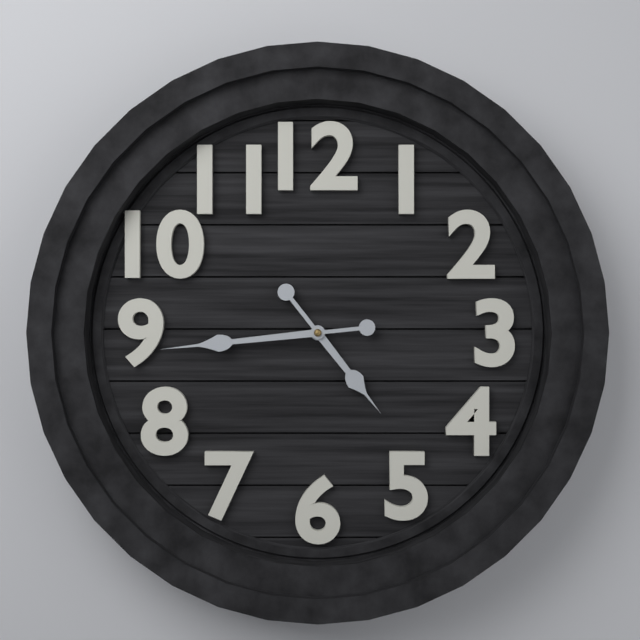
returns 4:44
